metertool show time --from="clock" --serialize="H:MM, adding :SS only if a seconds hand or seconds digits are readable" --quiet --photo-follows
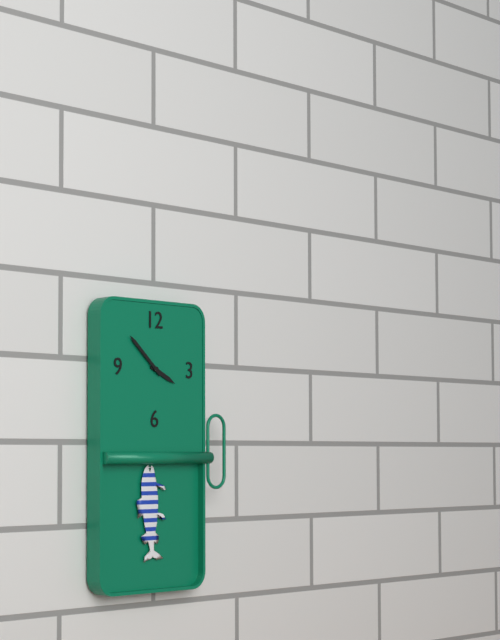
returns 3:52
